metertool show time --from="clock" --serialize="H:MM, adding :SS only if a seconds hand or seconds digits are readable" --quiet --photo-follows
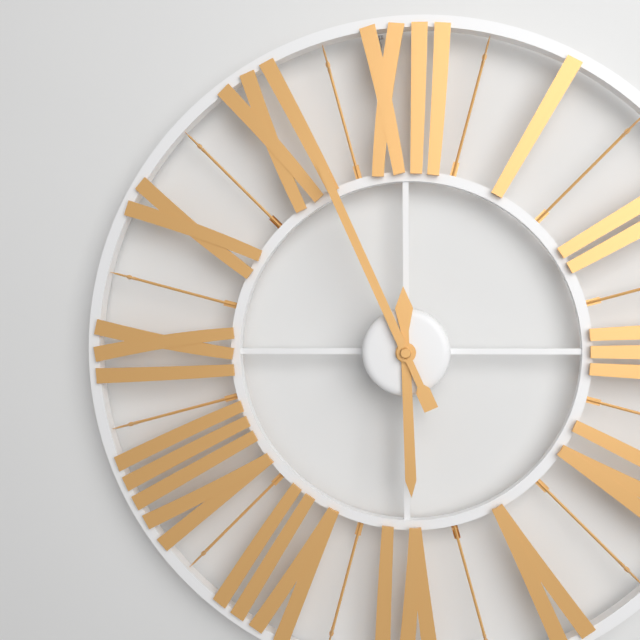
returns 5:56
